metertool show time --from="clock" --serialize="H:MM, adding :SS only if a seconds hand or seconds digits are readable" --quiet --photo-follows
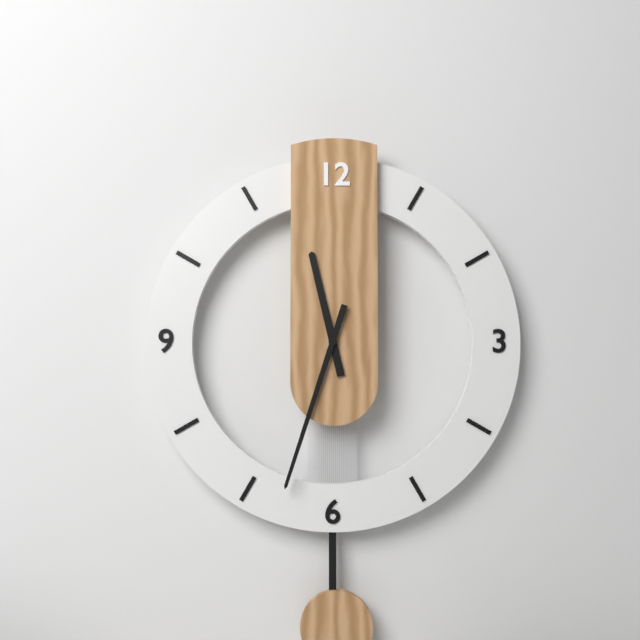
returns 11:33
